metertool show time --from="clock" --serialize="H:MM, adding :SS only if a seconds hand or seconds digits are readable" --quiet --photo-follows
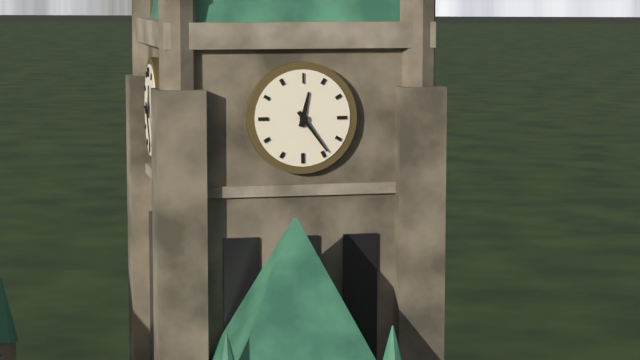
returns 12:24
